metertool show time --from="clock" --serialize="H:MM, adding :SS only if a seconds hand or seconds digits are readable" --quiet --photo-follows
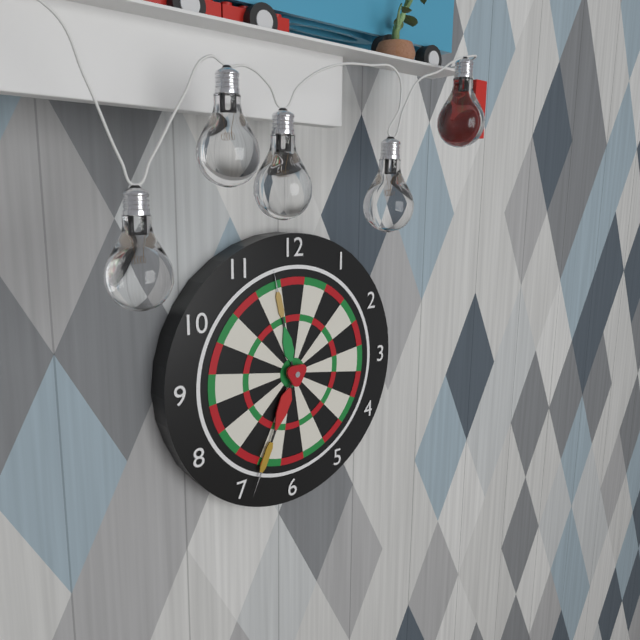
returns 11:34
